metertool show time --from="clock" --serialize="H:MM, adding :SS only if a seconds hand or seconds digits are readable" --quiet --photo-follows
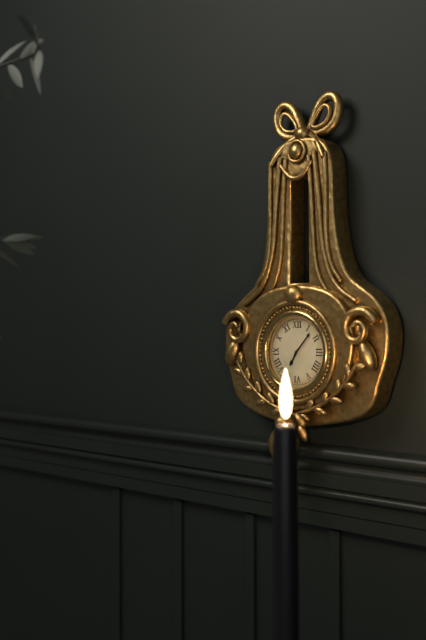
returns 7:07
